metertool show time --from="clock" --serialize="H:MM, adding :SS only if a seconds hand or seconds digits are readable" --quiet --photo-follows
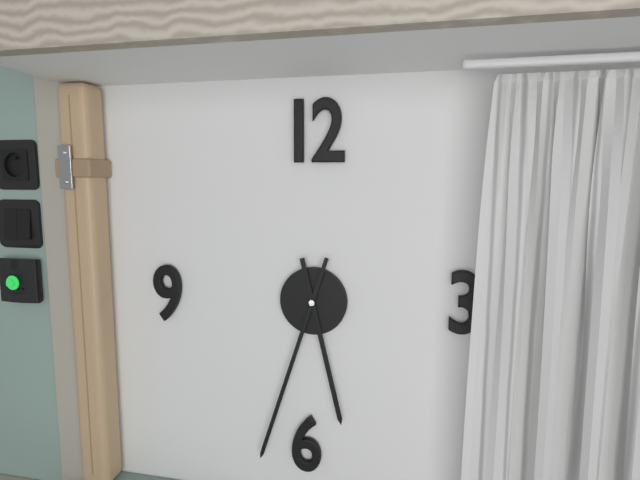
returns 5:33
